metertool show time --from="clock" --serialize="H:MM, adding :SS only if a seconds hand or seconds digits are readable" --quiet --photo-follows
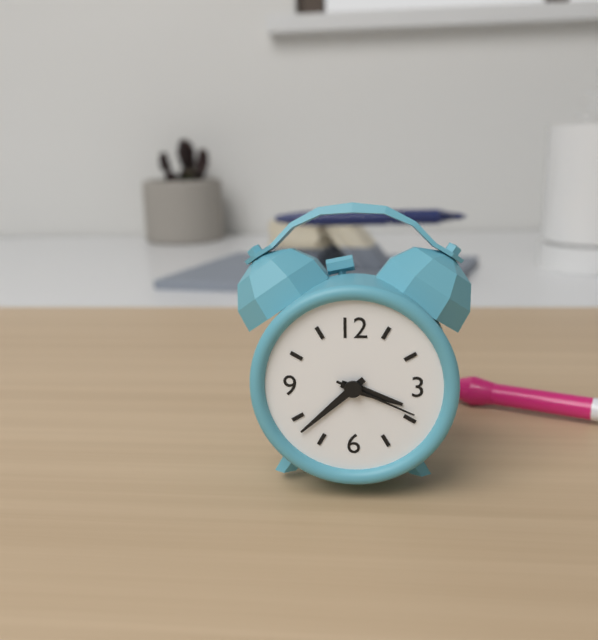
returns 3:38:19
